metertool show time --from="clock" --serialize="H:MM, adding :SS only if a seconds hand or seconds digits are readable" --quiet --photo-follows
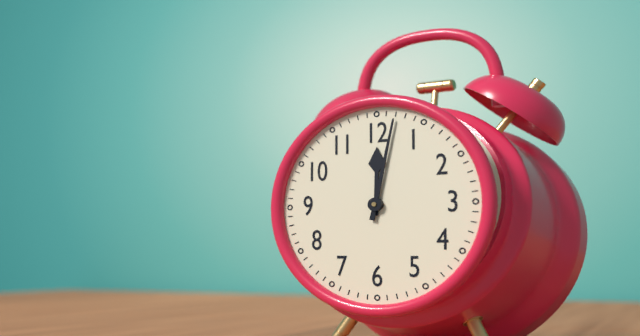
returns 12:02
